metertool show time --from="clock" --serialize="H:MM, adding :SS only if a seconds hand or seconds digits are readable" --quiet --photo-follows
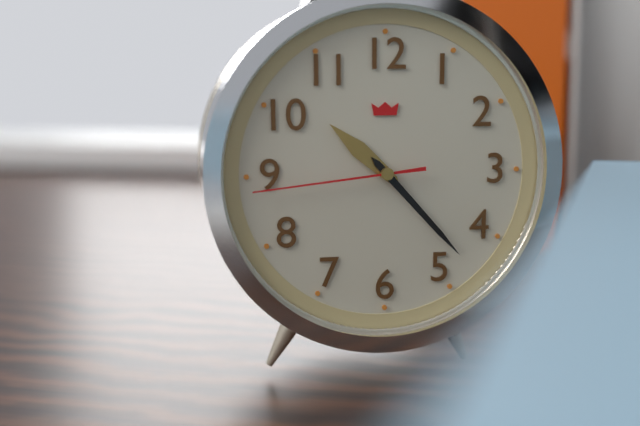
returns 10:23:44
